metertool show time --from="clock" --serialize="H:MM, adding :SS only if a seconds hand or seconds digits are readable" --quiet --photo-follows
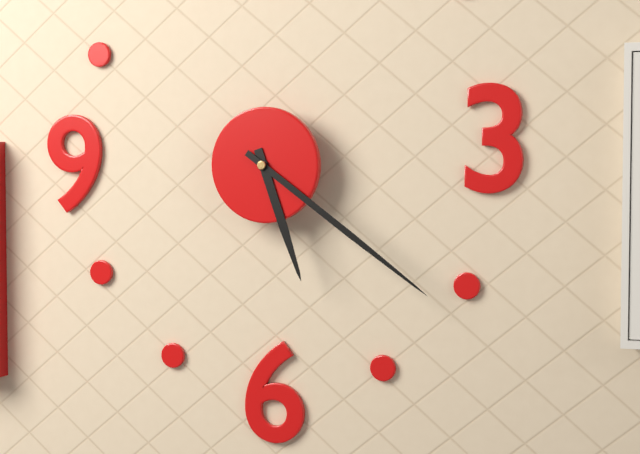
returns 5:21
